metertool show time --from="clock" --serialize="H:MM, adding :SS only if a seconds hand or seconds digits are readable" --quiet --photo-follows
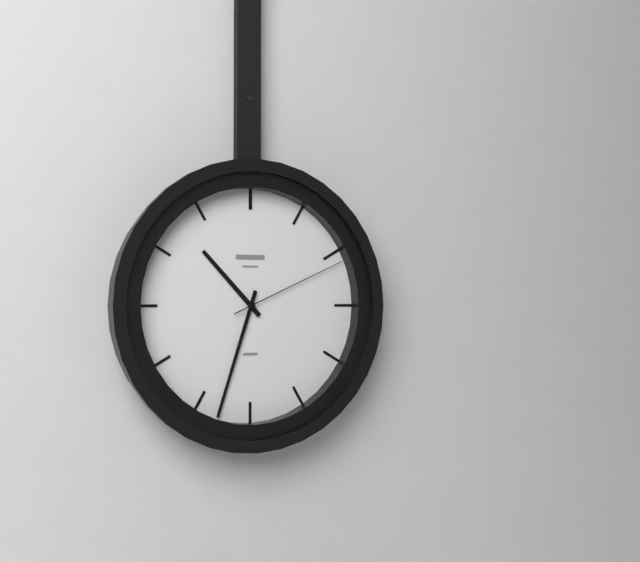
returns 10:33:11
